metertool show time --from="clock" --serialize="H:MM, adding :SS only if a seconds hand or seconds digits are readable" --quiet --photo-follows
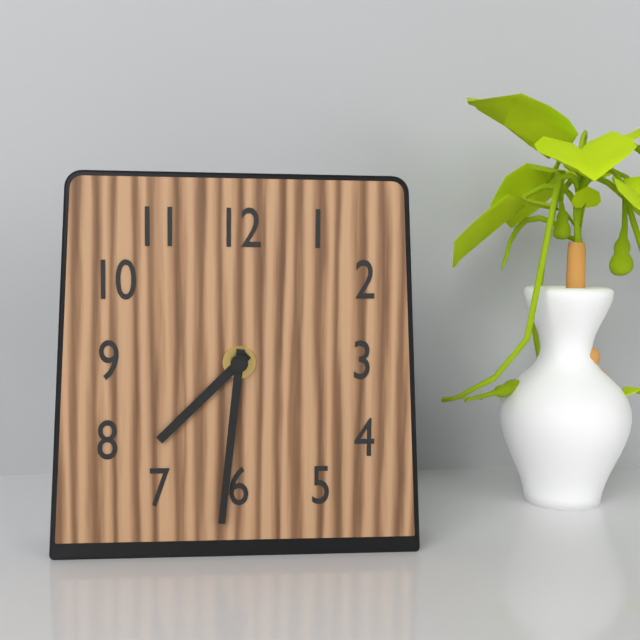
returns 7:31
